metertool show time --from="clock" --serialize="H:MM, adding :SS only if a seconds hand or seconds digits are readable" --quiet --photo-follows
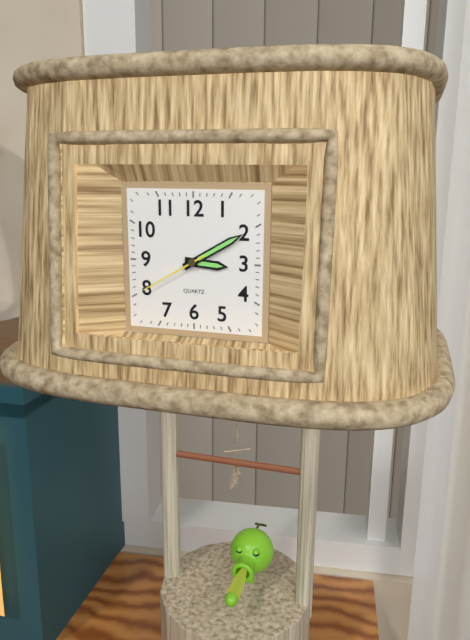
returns 3:10:40
